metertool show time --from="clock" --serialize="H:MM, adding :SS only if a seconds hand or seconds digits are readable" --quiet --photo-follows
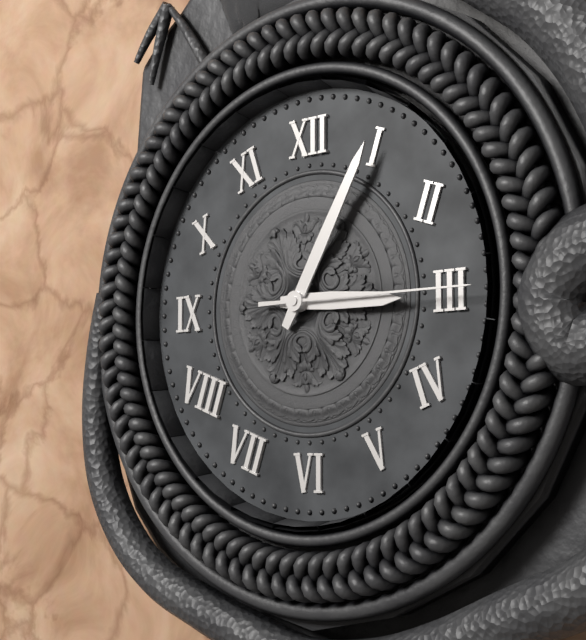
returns 3:05:15
